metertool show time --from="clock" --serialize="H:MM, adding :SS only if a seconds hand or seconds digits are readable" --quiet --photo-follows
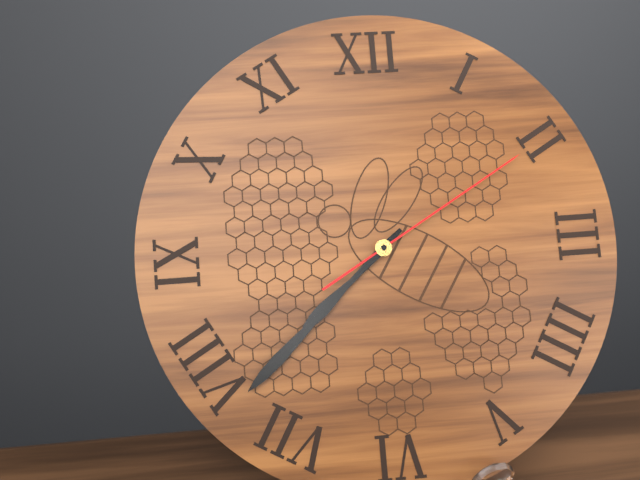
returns 7:38:10
